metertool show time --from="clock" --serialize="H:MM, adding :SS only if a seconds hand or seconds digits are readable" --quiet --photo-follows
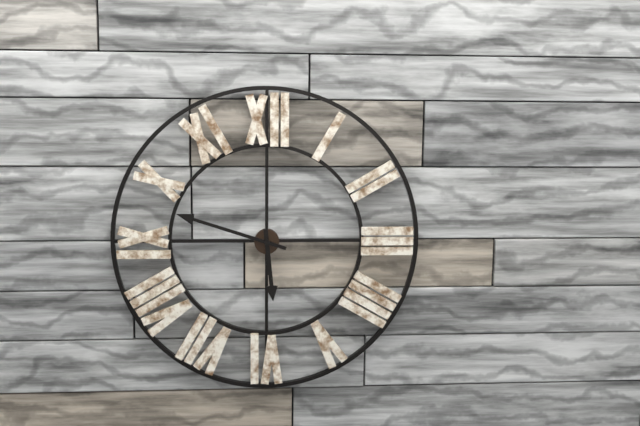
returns 5:48
